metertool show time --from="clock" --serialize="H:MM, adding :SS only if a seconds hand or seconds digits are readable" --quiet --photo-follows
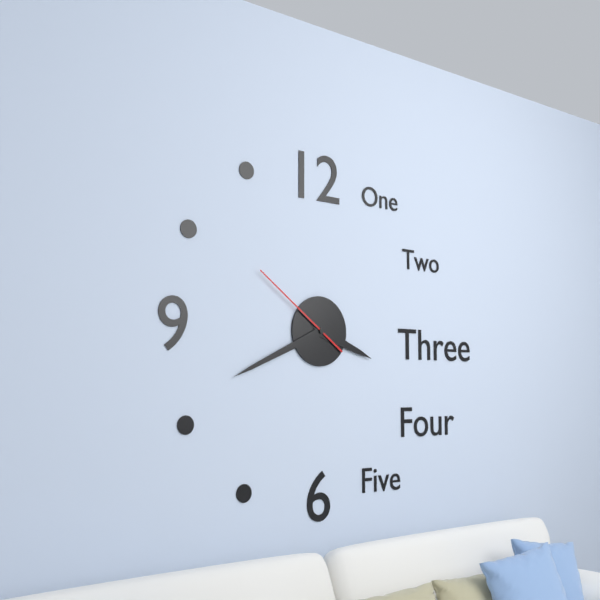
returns 3:41:51
